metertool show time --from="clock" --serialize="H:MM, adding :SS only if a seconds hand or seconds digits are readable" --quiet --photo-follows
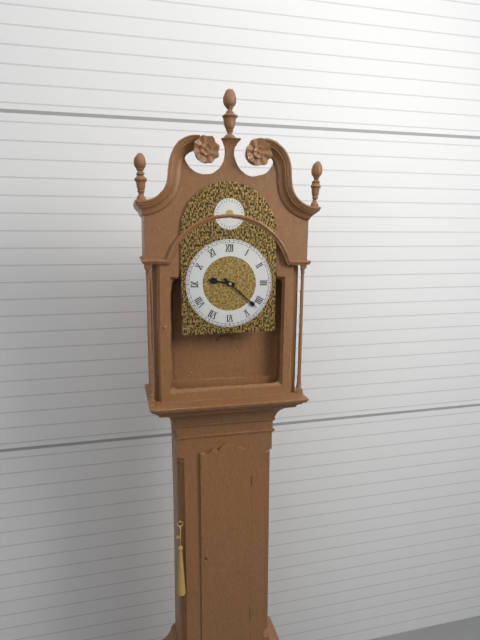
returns 9:22
